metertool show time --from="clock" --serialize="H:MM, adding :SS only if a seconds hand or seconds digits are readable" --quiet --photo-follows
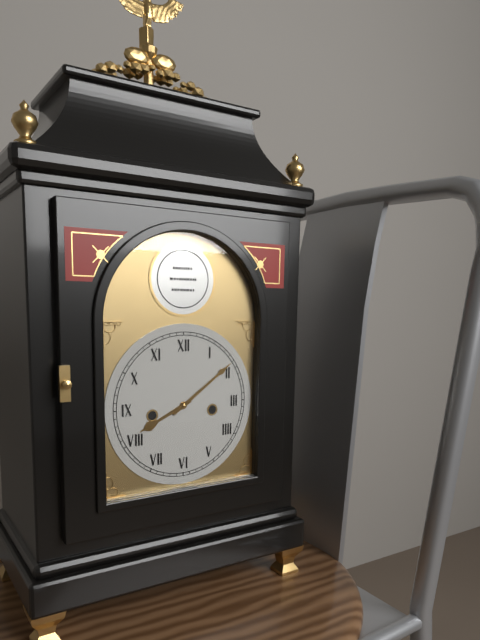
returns 8:09
